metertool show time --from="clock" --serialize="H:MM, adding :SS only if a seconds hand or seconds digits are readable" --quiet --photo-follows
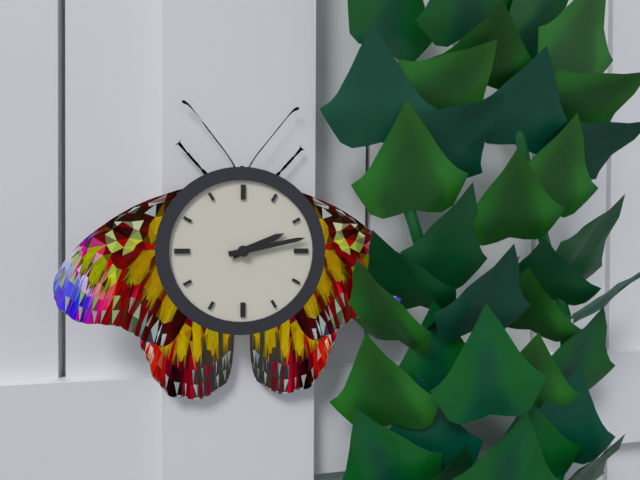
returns 2:13
